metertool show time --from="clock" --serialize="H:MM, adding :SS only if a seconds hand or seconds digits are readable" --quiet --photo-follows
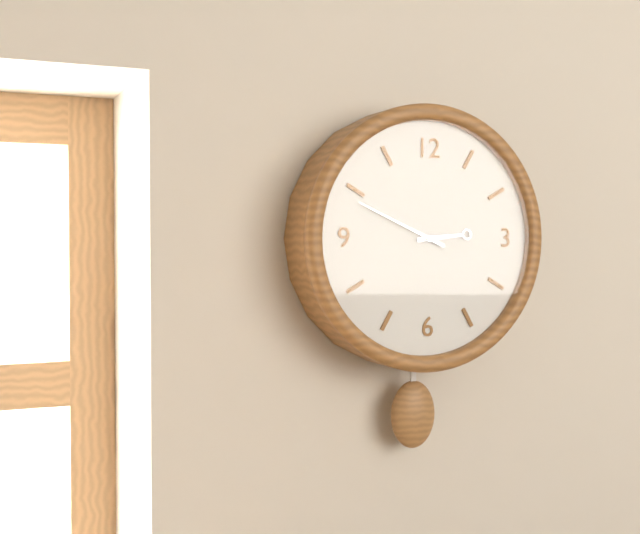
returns 2:49
